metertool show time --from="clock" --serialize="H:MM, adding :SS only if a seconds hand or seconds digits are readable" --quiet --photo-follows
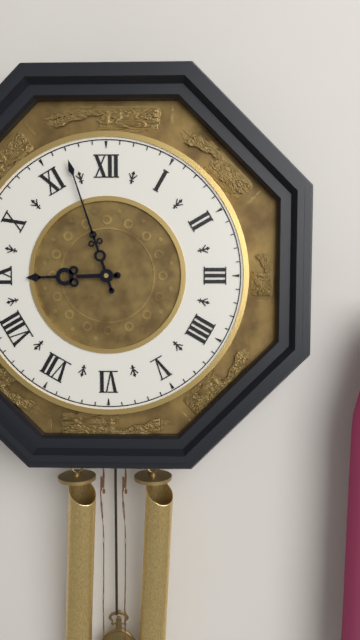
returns 8:57
